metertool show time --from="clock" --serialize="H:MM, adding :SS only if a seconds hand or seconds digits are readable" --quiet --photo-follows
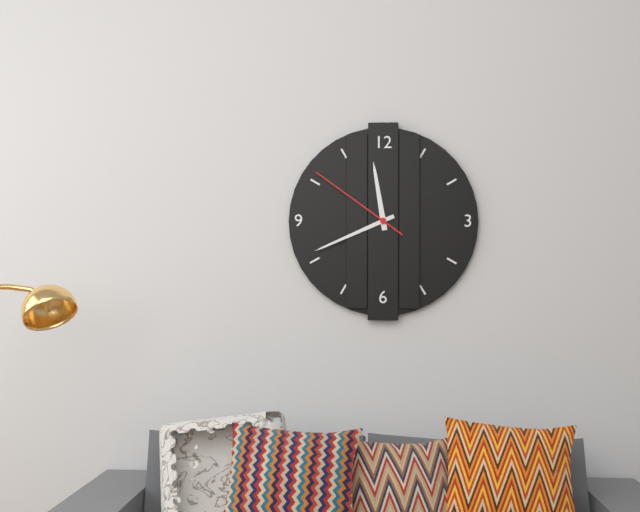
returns 11:41:51
